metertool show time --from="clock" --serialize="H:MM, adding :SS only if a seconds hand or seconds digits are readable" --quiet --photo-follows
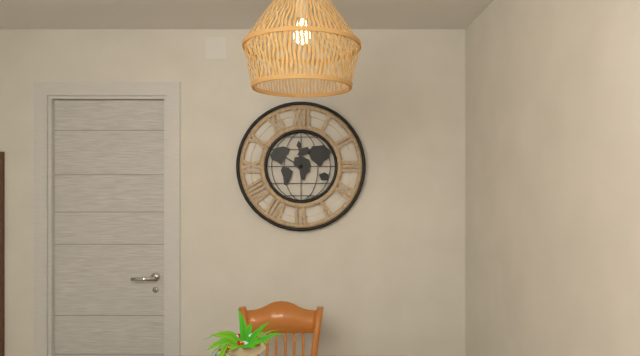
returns 11:50
